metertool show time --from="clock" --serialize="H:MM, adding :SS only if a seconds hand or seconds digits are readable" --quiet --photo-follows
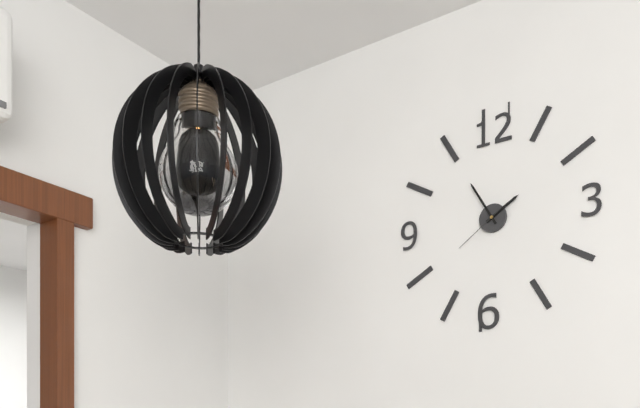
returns 1:55:39
